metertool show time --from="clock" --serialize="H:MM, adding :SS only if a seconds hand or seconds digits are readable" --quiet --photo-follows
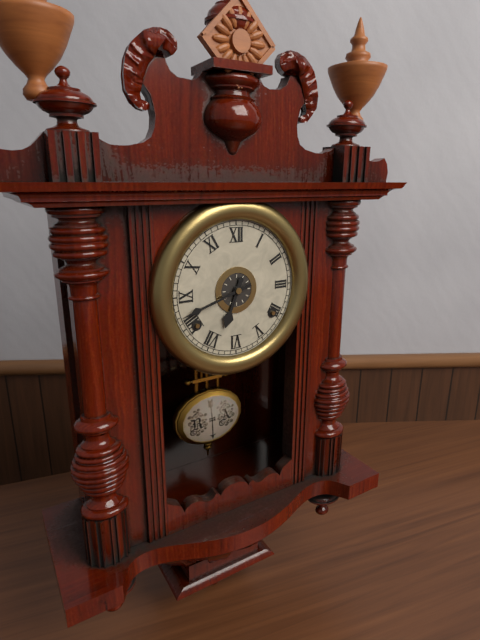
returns 6:42
